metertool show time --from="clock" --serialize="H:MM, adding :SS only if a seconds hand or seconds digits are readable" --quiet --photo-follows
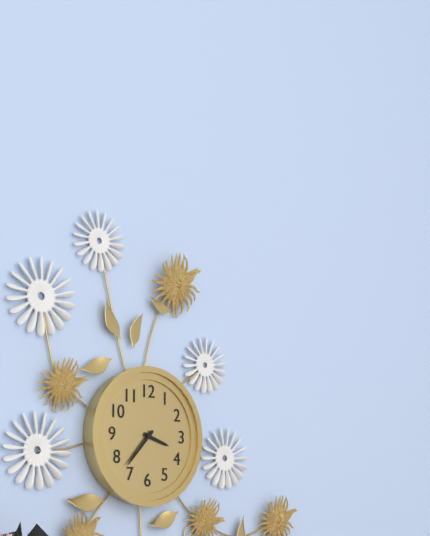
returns 3:37
